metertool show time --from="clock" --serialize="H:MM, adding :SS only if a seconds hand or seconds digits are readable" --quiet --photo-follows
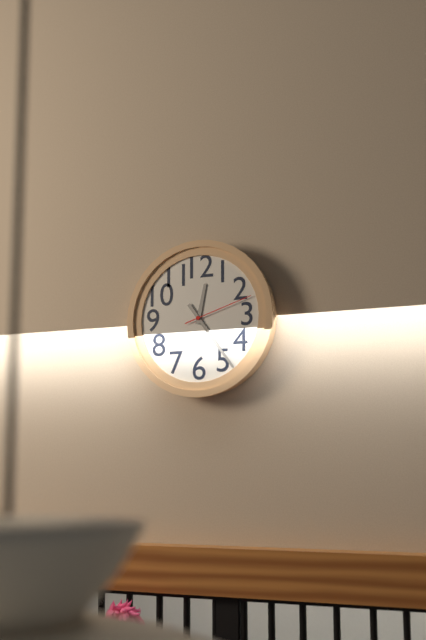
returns 12:24:12
